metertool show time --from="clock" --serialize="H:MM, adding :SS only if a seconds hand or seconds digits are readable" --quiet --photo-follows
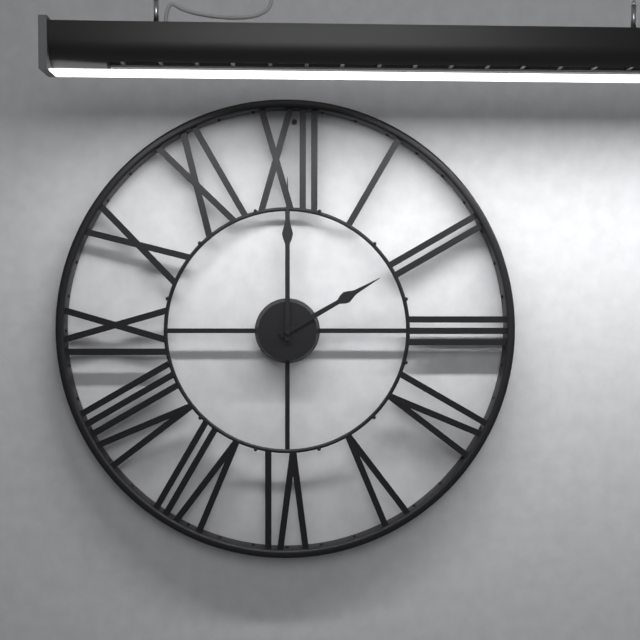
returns 2:00
